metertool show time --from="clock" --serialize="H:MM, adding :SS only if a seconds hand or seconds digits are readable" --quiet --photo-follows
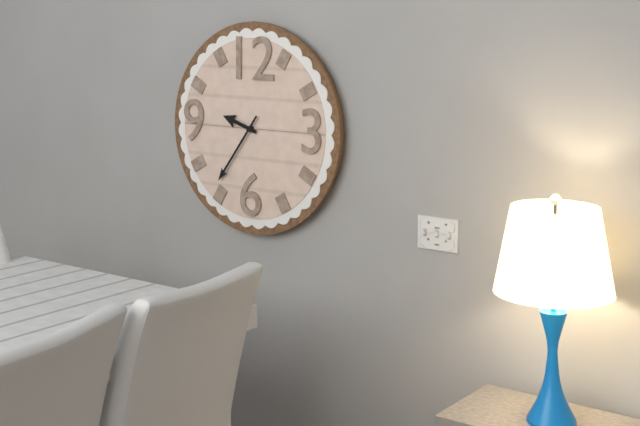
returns 9:36
